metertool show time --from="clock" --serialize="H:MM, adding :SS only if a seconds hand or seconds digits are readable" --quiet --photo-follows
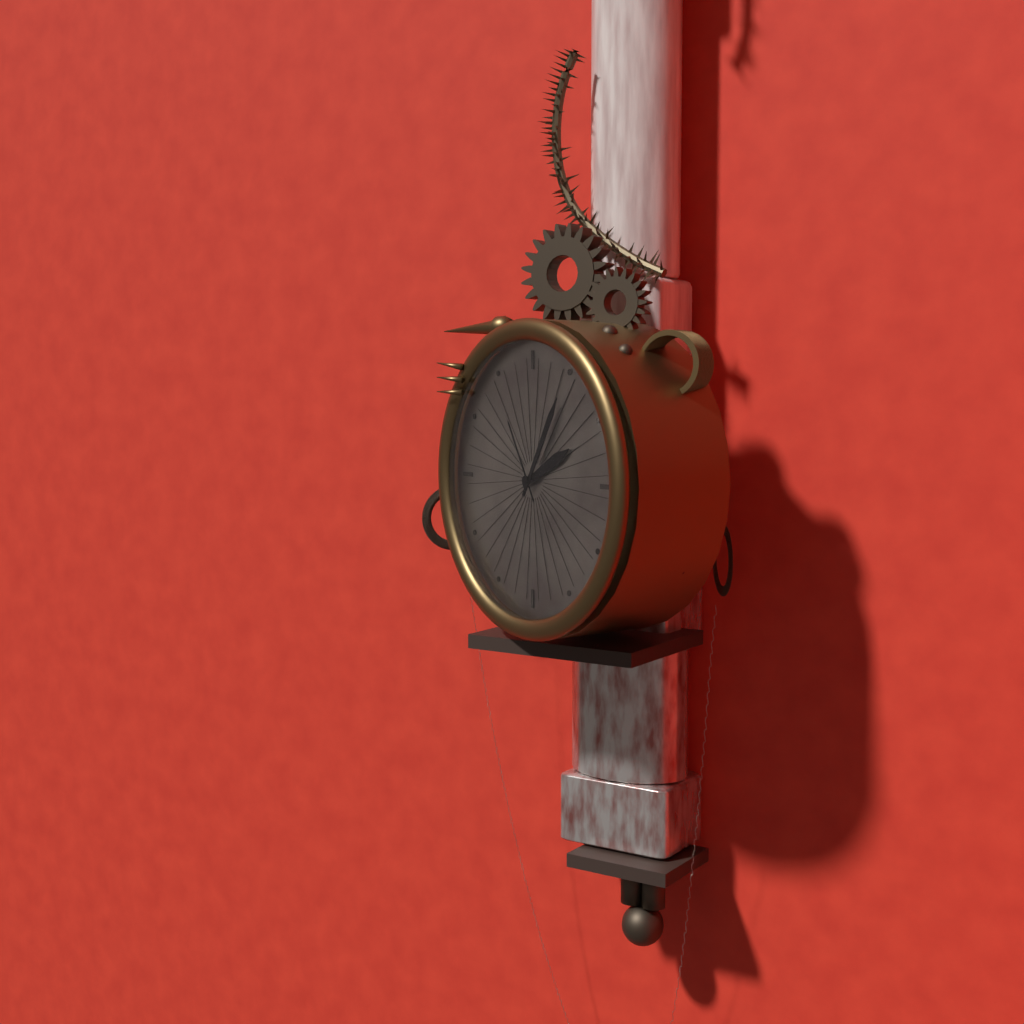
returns 2:05:55
